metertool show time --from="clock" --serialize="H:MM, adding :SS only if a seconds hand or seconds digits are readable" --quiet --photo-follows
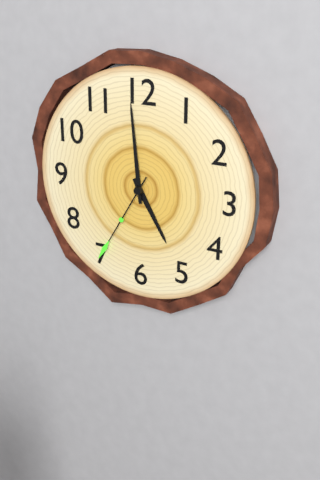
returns 4:59:35
